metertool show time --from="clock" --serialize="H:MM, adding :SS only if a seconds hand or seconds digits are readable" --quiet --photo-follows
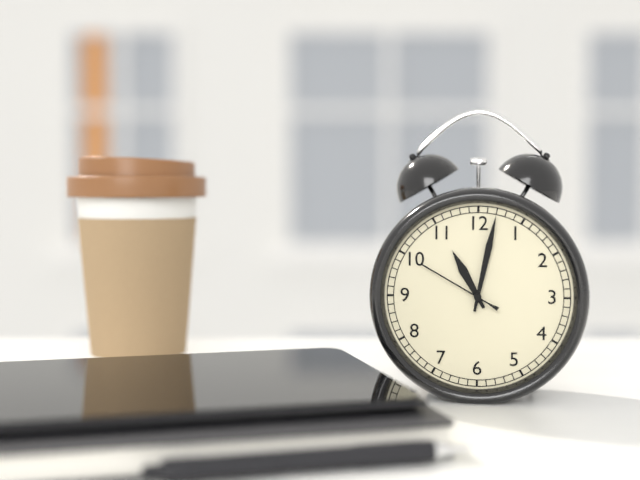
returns 11:02:50
